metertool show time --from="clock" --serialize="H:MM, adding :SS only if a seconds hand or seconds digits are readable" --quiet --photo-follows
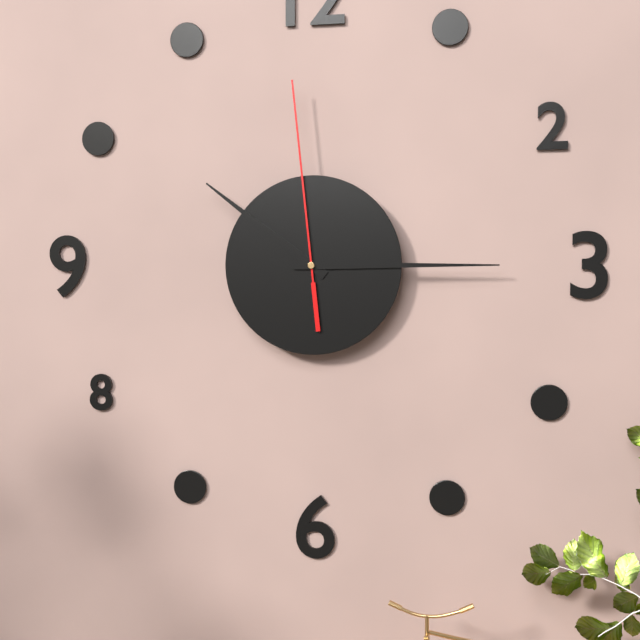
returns 10:15:59
